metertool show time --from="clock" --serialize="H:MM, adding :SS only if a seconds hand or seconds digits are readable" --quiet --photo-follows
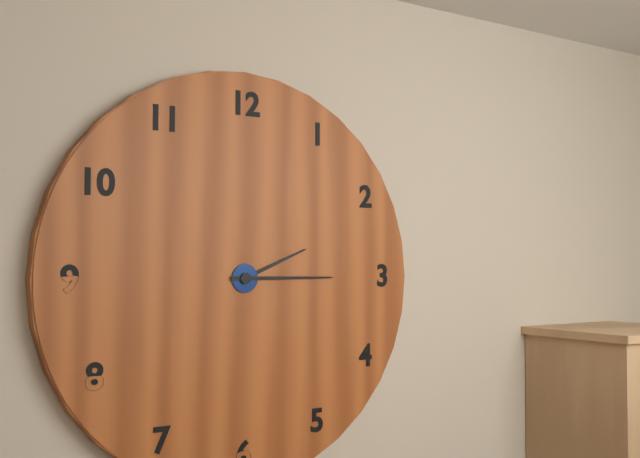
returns 2:15
